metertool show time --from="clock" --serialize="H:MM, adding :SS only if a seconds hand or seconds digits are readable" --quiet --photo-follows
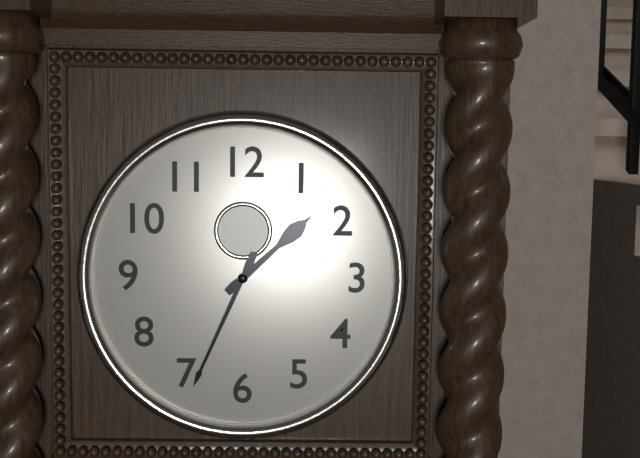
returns 1:34
